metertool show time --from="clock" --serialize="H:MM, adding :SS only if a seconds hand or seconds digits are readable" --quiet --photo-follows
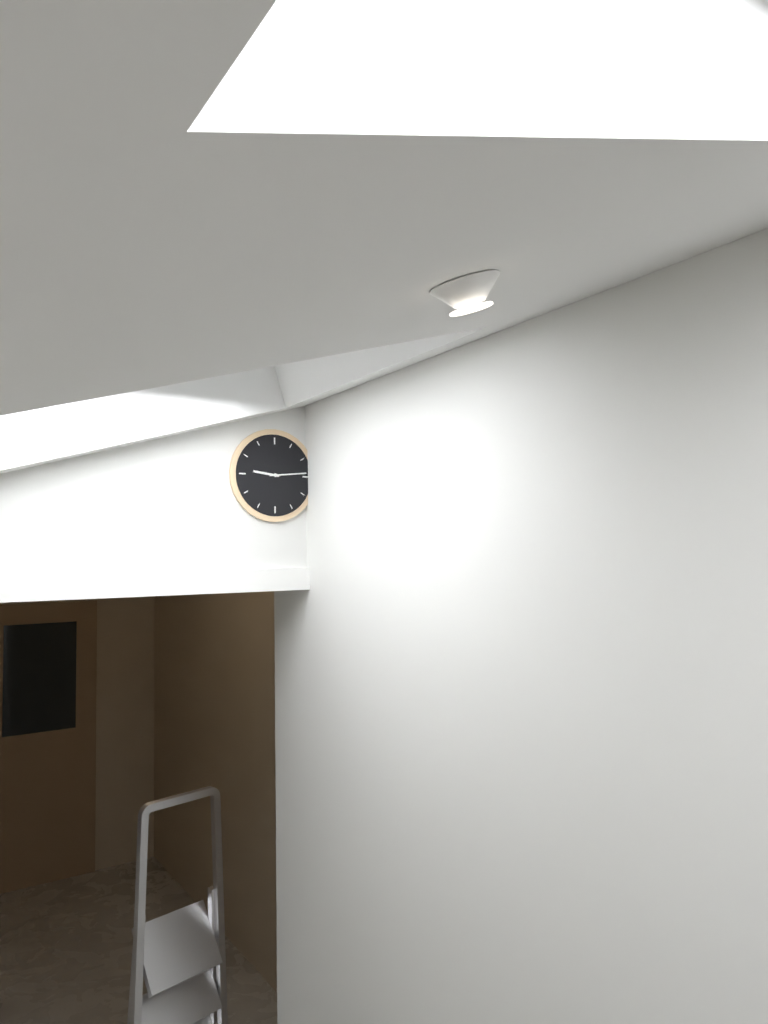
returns 9:14
